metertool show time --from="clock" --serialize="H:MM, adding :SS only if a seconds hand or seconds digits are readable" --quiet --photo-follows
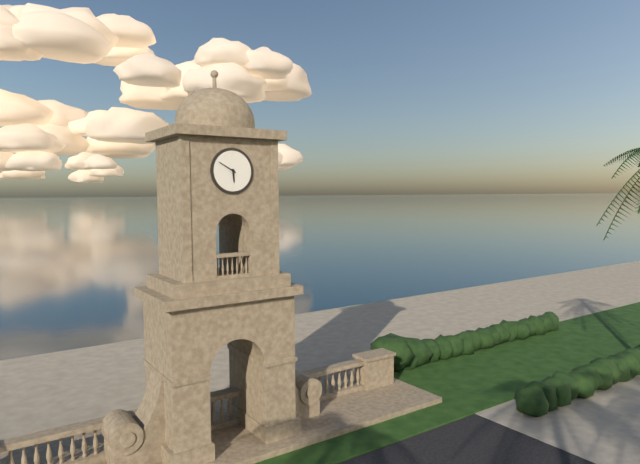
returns 5:50
